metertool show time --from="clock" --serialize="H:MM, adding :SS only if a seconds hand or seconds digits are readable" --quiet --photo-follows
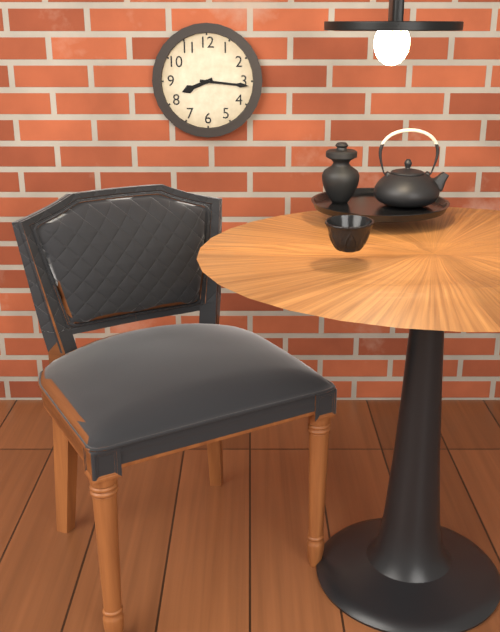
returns 8:16
